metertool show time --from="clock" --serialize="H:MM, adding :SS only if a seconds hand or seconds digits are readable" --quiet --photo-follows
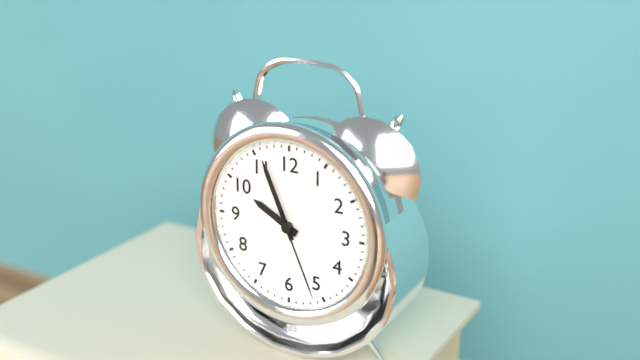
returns 9:56:26
